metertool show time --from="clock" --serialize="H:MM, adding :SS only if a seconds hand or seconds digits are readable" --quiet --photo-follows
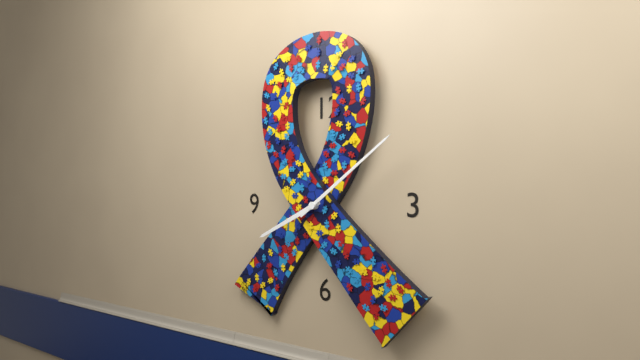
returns 8:09
